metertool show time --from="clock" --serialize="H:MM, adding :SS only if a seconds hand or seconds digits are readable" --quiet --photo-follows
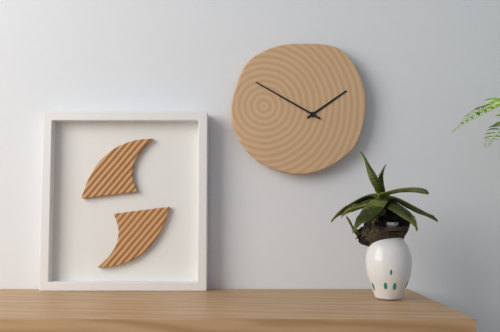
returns 1:50
